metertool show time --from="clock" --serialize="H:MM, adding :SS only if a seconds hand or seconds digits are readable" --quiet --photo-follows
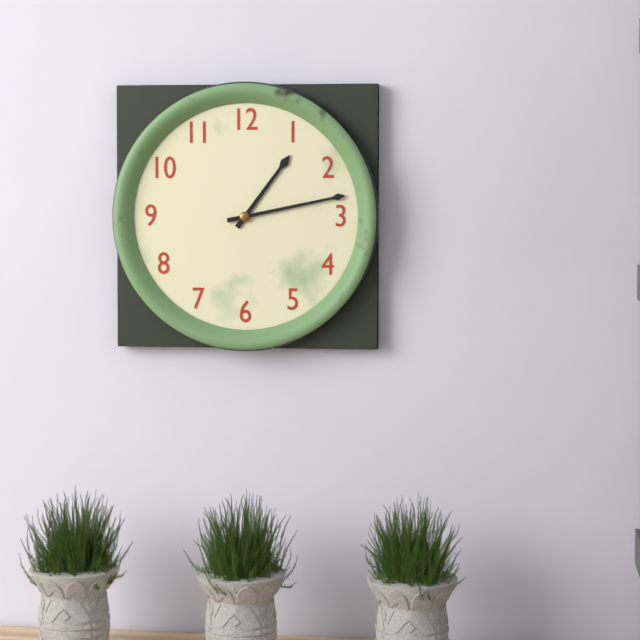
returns 1:13
